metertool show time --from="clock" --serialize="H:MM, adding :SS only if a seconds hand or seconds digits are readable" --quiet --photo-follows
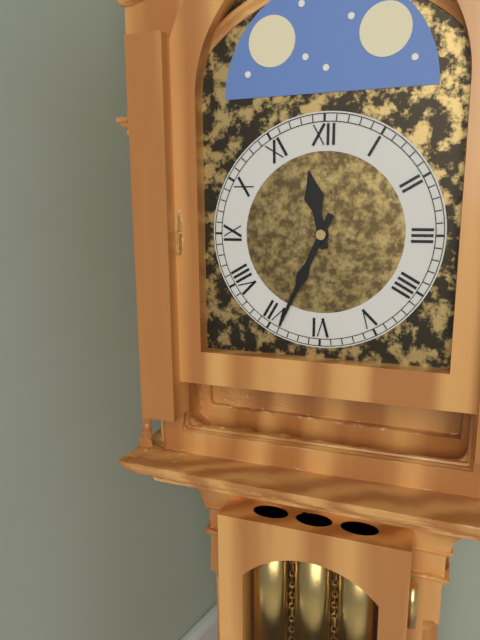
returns 11:34
